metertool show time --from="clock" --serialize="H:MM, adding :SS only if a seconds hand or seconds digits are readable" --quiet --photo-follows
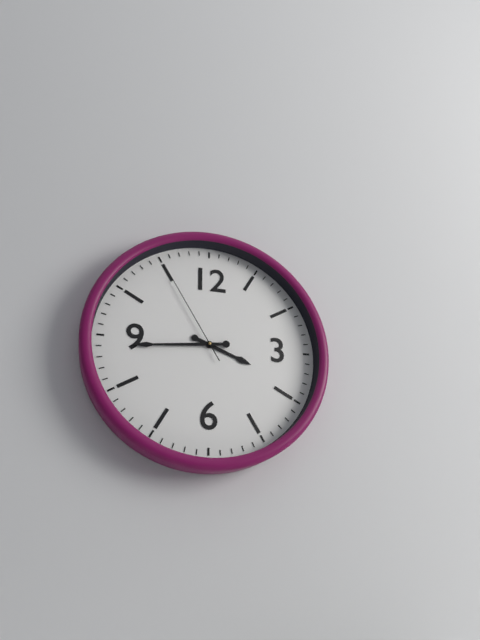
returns 3:44:55
